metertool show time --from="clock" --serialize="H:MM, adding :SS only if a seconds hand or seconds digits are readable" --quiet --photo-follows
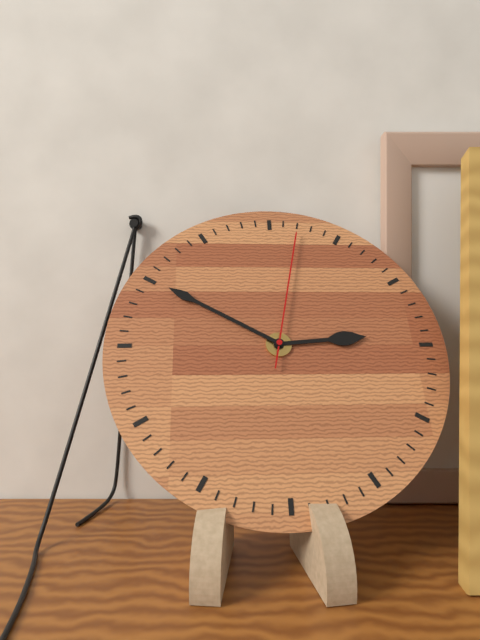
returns 2:50:02
